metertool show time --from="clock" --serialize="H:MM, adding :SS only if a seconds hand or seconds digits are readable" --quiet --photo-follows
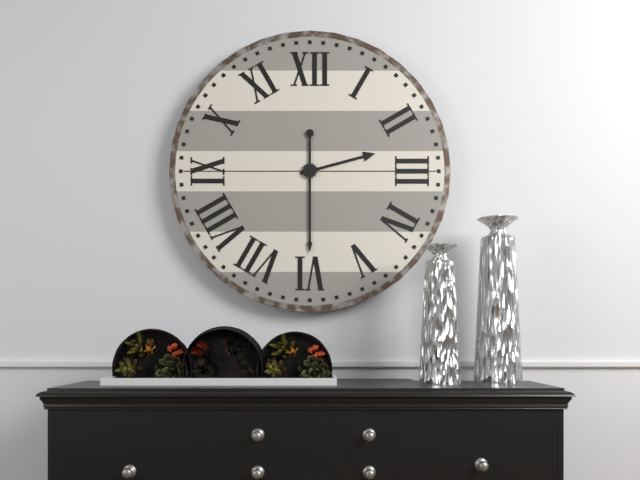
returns 2:30
